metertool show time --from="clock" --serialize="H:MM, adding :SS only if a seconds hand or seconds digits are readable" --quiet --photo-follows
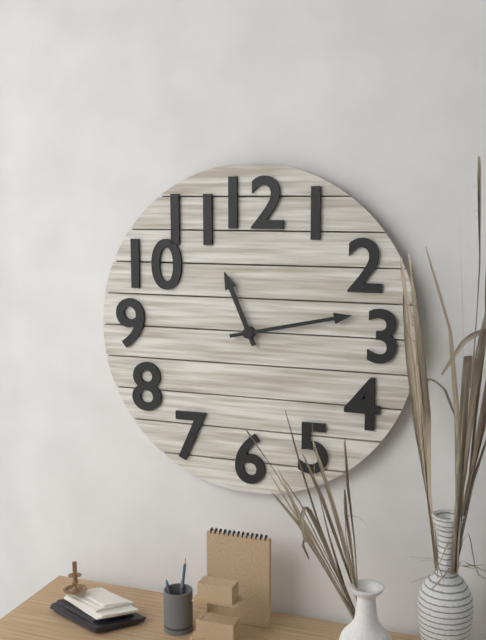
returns 11:13
